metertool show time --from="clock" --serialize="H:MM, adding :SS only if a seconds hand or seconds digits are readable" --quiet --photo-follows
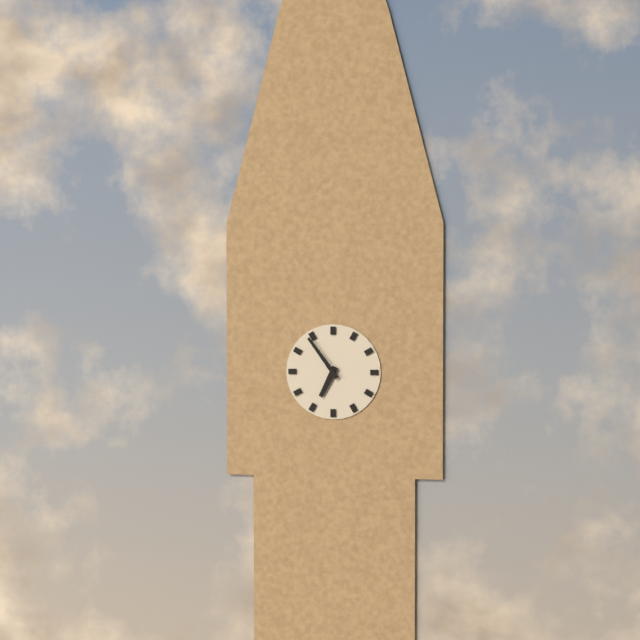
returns 6:54
